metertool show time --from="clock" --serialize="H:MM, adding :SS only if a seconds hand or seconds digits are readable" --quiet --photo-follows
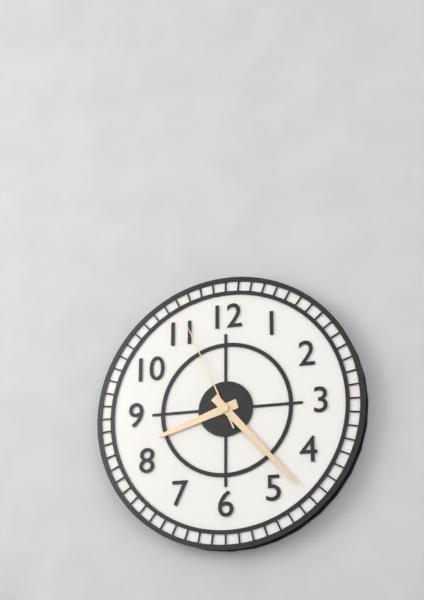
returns 8:23:56
